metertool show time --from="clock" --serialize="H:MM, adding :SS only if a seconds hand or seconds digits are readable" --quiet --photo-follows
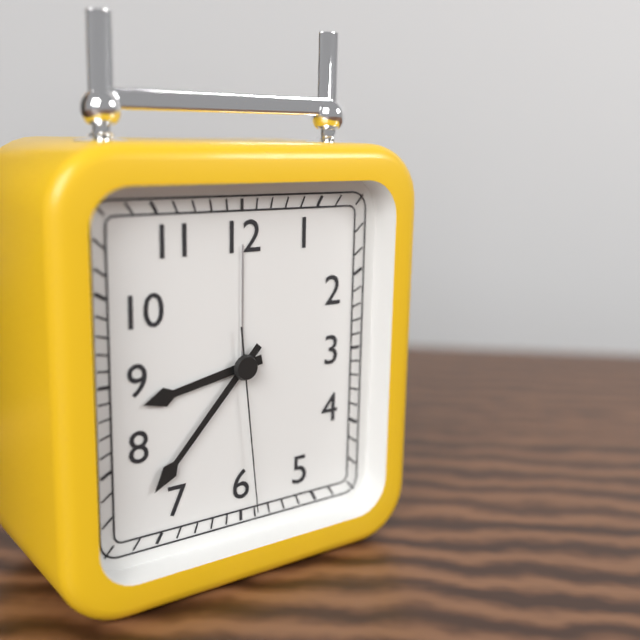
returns 8:37:29
